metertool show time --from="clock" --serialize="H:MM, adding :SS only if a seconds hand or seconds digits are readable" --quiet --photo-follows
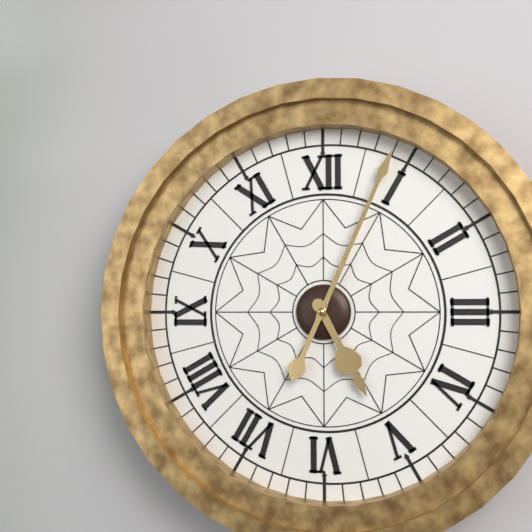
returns 5:04
